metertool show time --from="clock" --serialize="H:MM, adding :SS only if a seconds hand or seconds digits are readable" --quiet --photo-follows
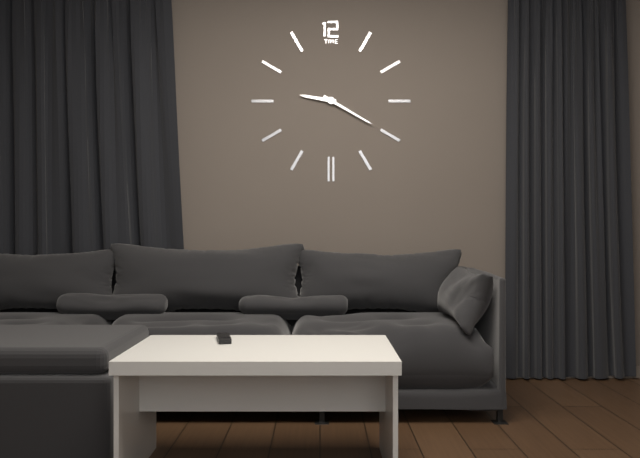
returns 9:20
